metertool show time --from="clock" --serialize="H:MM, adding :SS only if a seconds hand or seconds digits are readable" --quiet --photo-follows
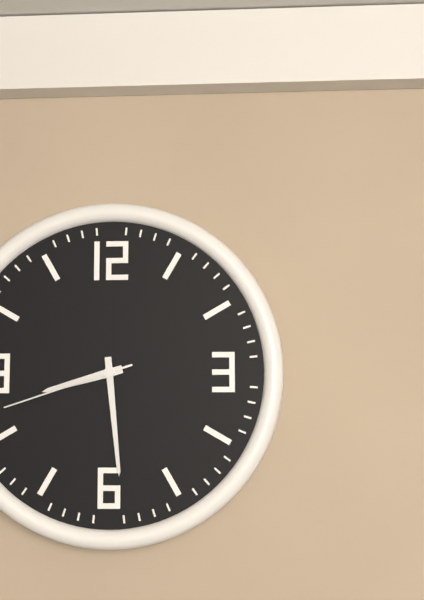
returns 8:29:42
